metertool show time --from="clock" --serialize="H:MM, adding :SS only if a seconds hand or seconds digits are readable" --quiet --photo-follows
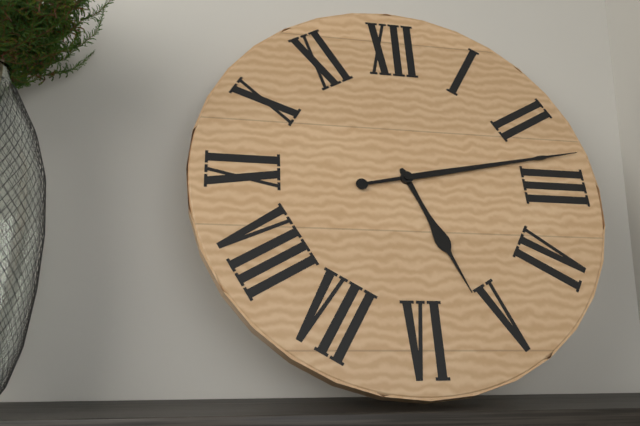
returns 5:13
